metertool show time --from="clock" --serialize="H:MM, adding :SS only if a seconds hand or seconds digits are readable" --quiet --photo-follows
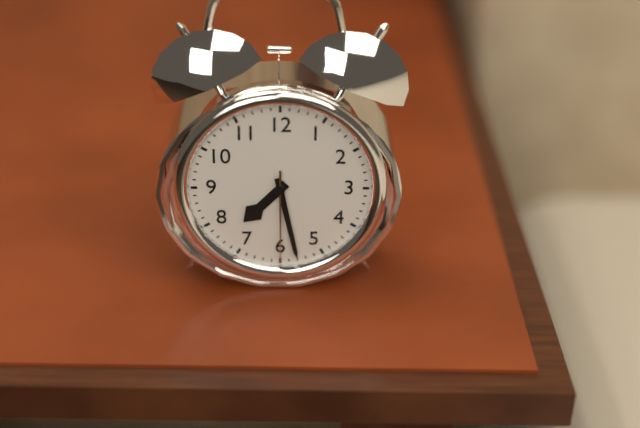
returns 7:28:30
